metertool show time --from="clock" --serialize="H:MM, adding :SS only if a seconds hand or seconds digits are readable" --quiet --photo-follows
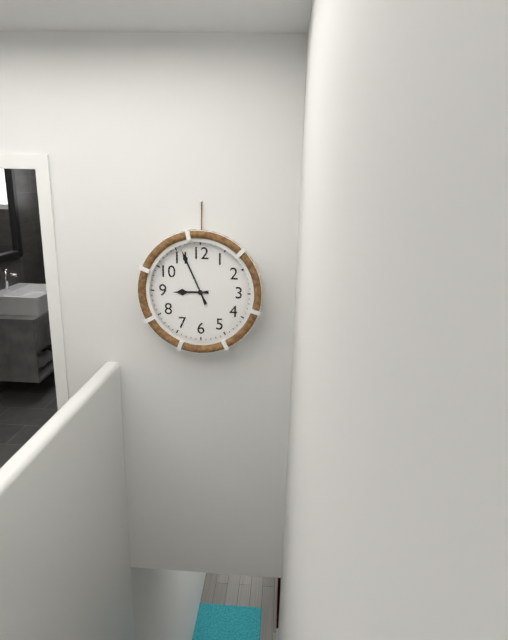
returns 8:56
